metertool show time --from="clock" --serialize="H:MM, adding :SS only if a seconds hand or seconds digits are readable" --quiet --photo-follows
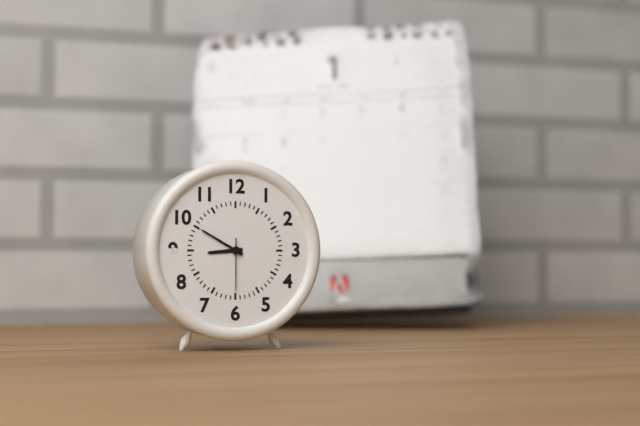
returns 8:50:30
